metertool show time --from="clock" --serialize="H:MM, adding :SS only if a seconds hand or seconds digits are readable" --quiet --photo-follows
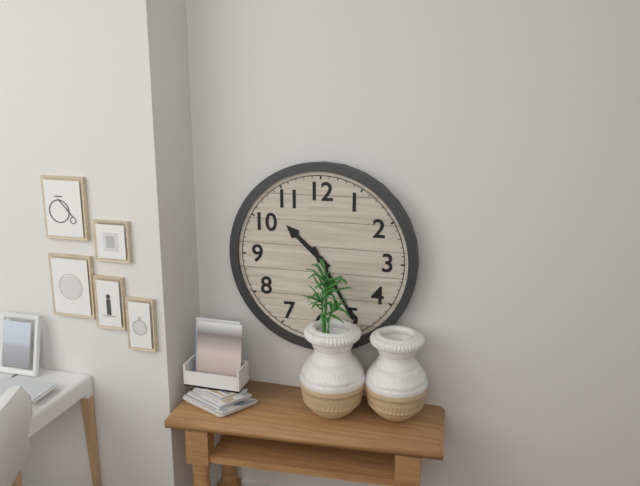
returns 10:25
